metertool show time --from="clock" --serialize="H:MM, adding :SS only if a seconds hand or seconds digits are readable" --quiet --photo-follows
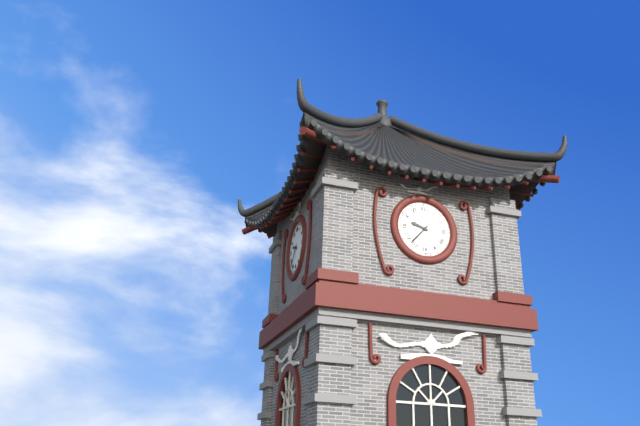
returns 9:37
